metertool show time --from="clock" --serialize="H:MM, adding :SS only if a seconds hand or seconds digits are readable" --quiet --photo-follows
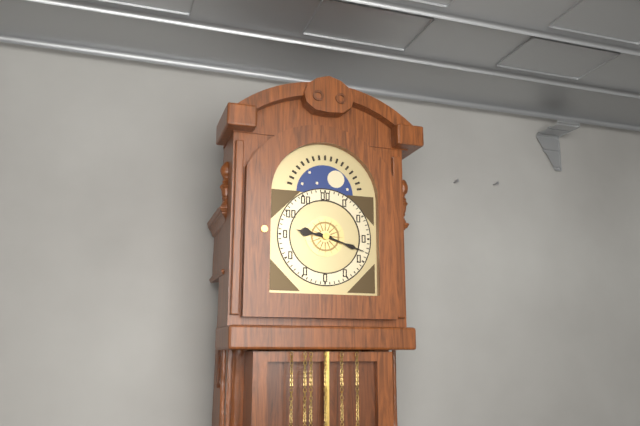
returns 9:18
